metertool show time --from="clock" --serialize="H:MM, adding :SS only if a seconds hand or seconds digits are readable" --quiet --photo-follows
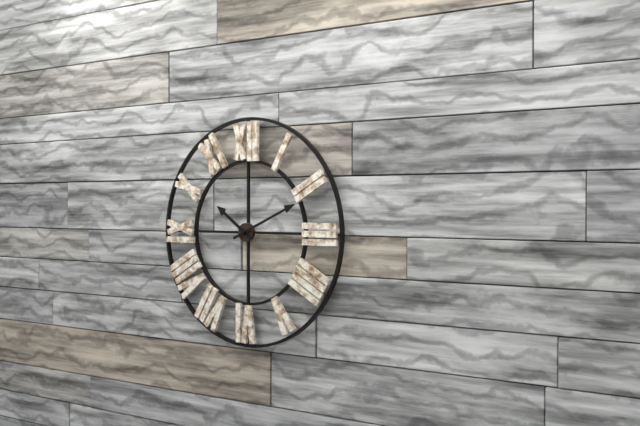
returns 10:11
